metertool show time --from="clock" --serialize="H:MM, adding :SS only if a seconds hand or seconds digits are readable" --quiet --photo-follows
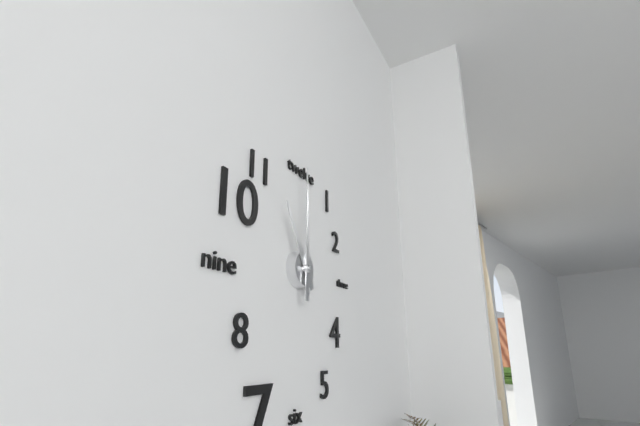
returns 11:00
